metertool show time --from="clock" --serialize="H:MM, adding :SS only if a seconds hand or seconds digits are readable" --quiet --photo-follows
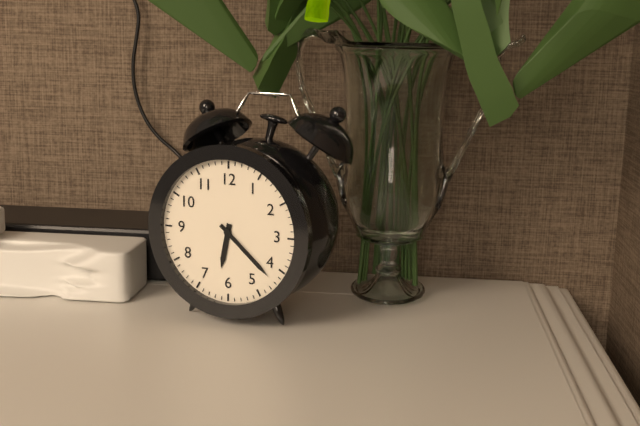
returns 6:22
